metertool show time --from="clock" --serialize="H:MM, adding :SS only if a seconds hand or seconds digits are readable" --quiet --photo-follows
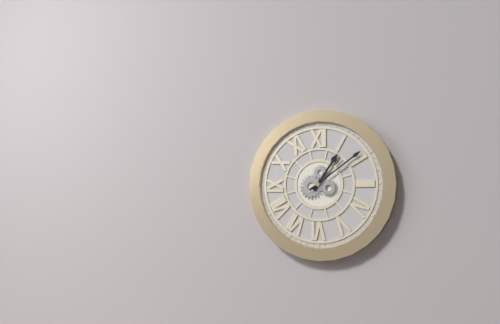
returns 1:09
